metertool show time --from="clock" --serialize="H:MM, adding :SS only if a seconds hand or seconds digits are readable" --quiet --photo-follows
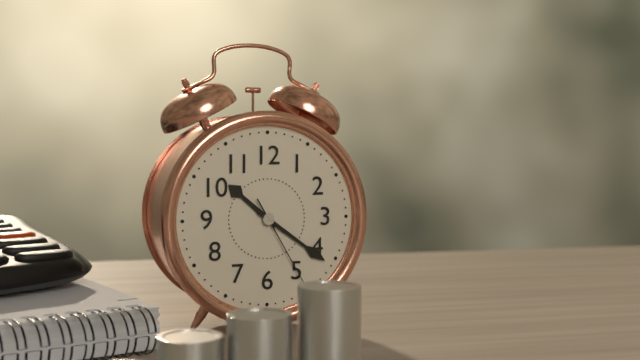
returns 10:21:25
